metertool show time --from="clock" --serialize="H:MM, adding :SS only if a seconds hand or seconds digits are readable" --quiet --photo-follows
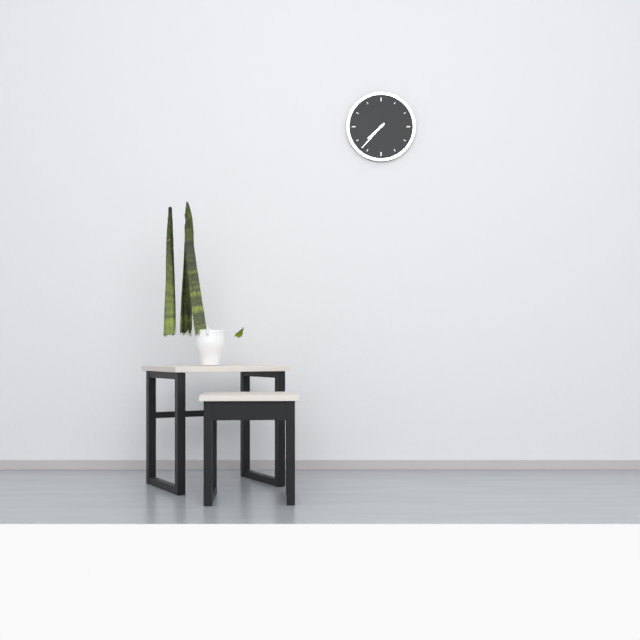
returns 7:37
